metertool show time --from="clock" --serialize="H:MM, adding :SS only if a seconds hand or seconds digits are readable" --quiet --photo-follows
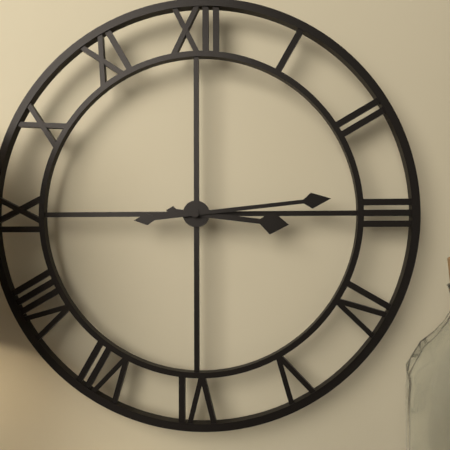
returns 3:14
